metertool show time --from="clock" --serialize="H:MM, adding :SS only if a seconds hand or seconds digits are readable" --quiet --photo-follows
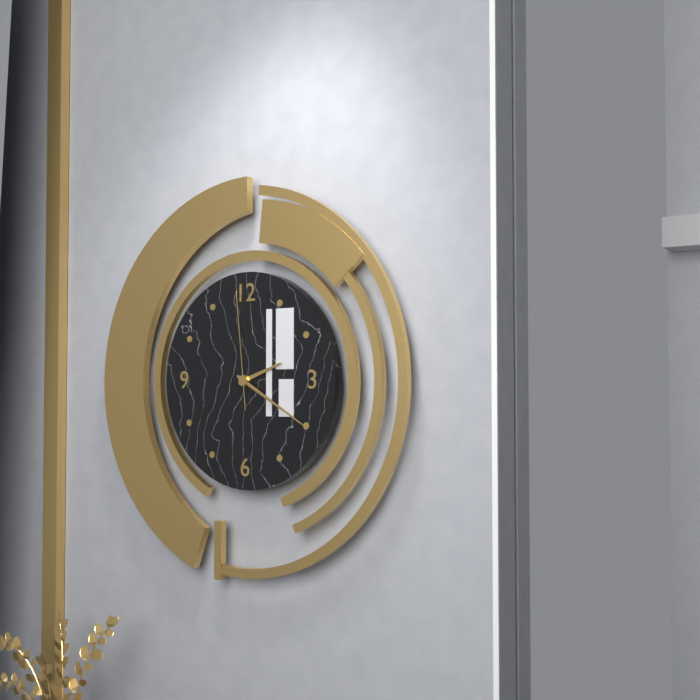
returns 2:20:59
